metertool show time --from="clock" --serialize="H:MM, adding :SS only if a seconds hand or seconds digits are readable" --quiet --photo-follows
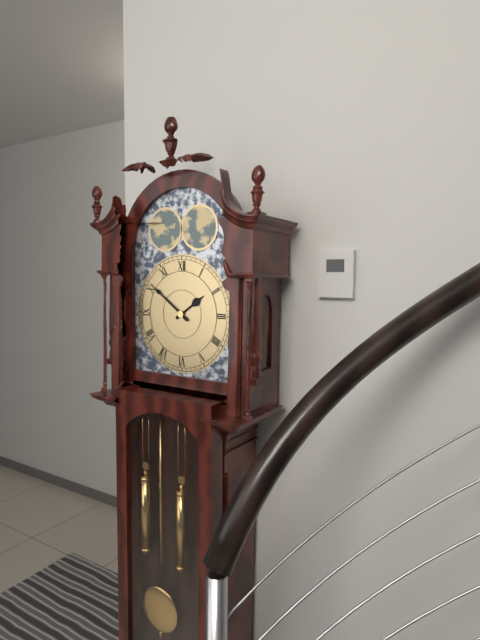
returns 1:51
